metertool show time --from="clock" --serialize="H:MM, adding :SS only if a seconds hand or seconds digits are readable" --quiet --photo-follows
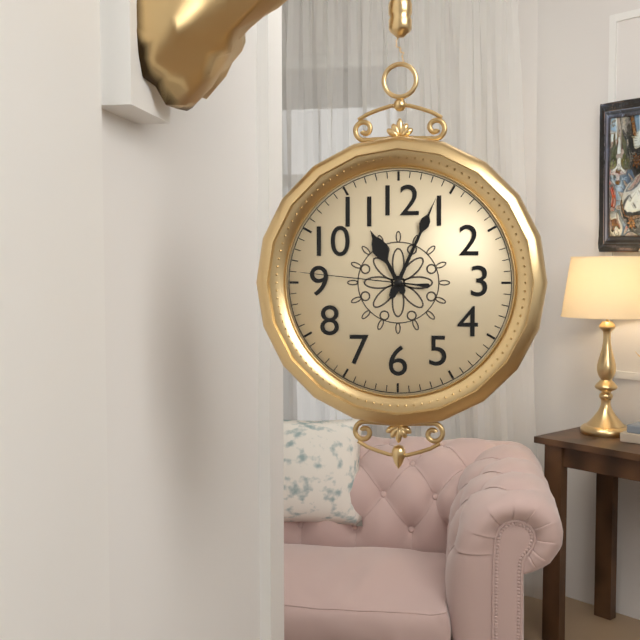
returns 11:04:46
